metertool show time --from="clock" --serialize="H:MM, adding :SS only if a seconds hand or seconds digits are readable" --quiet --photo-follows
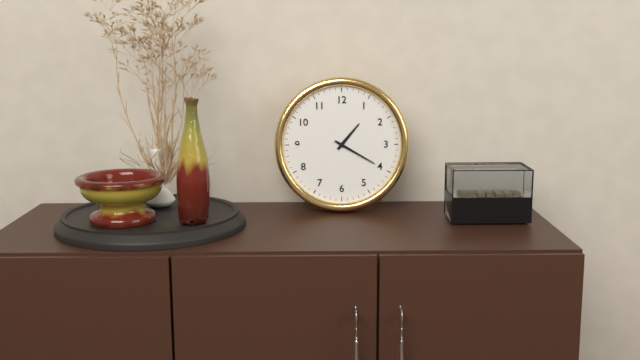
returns 1:20
